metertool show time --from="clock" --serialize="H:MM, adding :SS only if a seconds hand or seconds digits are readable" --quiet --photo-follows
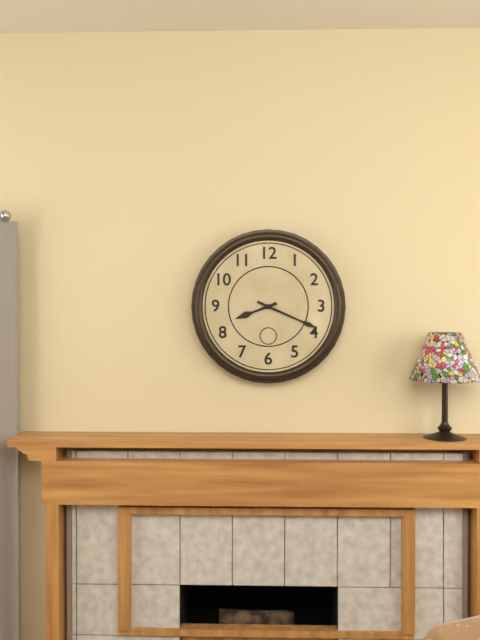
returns 8:19
